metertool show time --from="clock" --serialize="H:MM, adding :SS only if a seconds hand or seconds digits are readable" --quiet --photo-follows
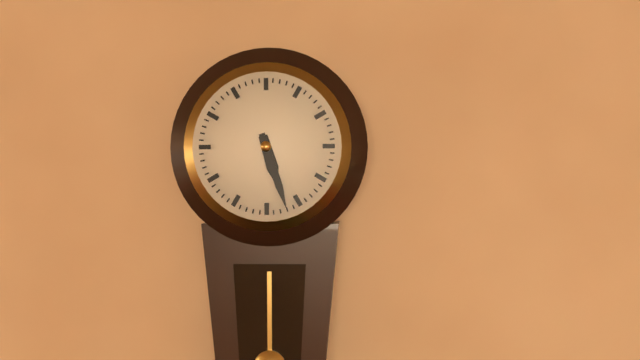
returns 5:27
